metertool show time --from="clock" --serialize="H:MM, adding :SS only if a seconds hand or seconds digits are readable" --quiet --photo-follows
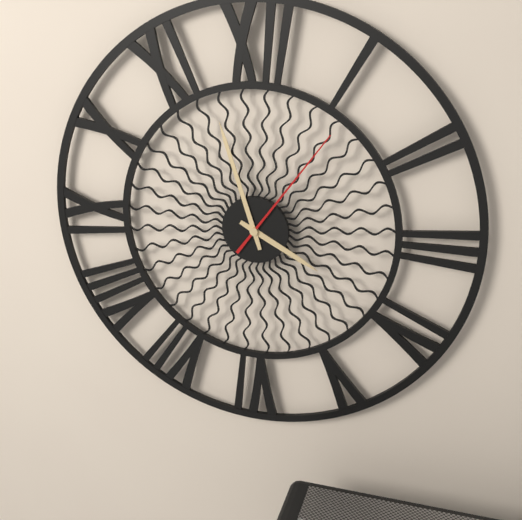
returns 3:57:06
